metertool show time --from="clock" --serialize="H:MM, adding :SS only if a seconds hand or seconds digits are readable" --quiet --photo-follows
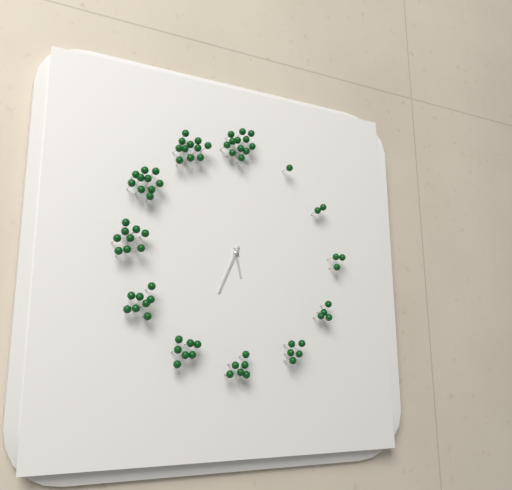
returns 5:34
